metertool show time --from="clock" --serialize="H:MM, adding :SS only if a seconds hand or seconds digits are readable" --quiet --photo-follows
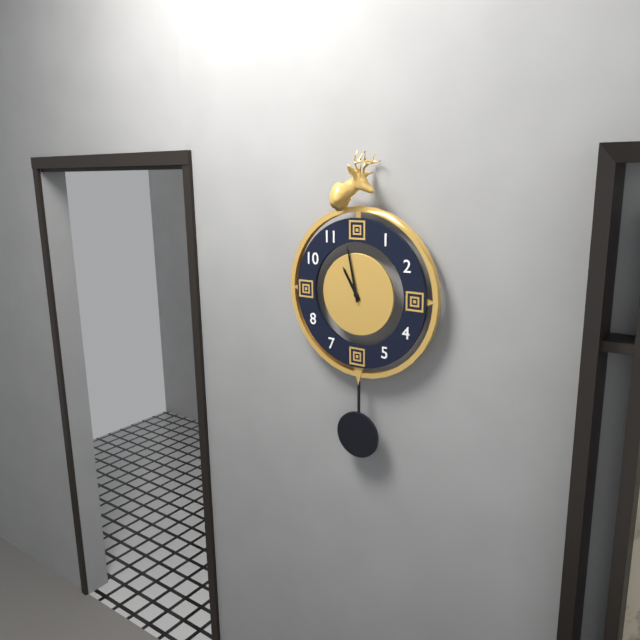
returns 10:58
